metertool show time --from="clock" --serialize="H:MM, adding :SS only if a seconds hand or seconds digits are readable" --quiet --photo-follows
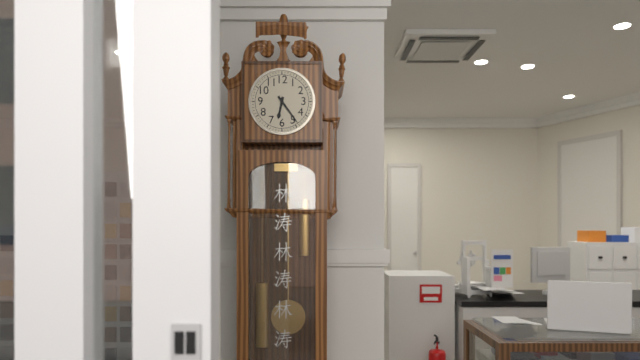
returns 6:24
